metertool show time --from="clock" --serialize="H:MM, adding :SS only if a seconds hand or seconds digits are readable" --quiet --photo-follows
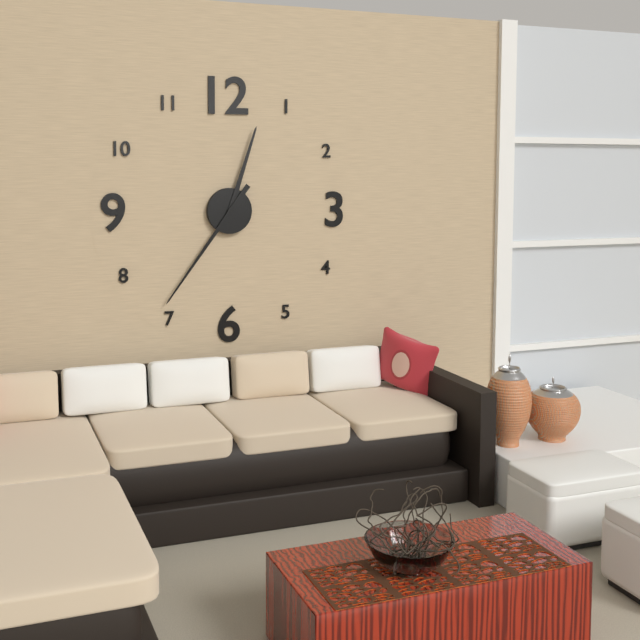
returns 12:36
